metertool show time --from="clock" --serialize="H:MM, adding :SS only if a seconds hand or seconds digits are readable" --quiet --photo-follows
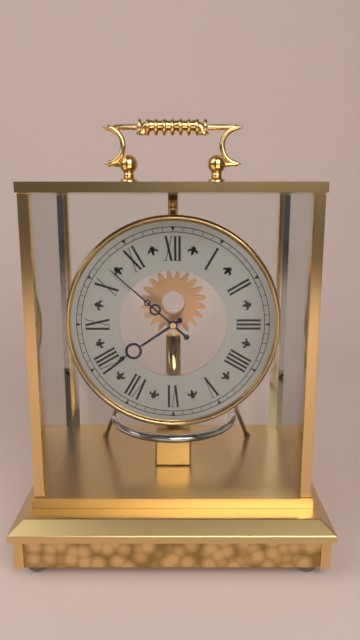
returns 7:52
